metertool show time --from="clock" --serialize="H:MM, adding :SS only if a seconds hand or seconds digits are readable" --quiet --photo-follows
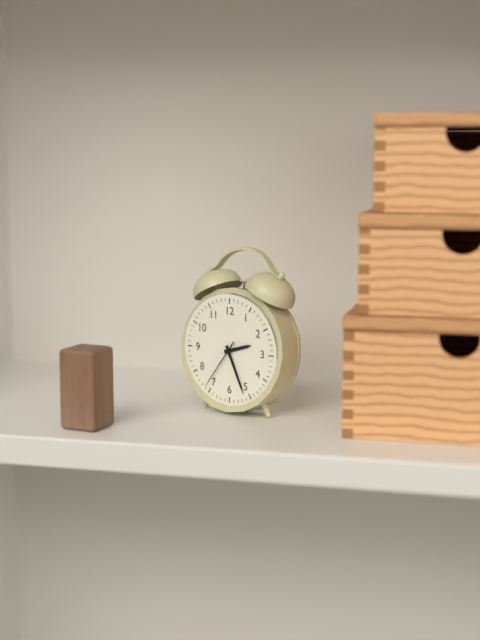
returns 2:26:36
